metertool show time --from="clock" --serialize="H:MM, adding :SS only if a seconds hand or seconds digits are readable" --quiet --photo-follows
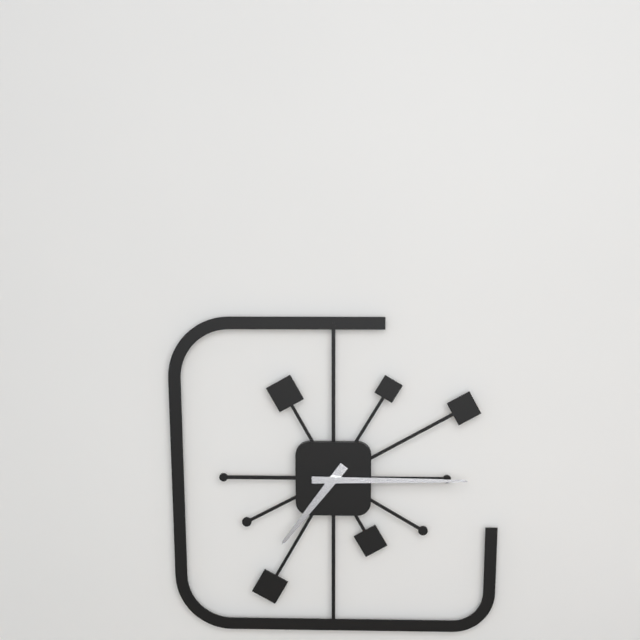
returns 7:15
